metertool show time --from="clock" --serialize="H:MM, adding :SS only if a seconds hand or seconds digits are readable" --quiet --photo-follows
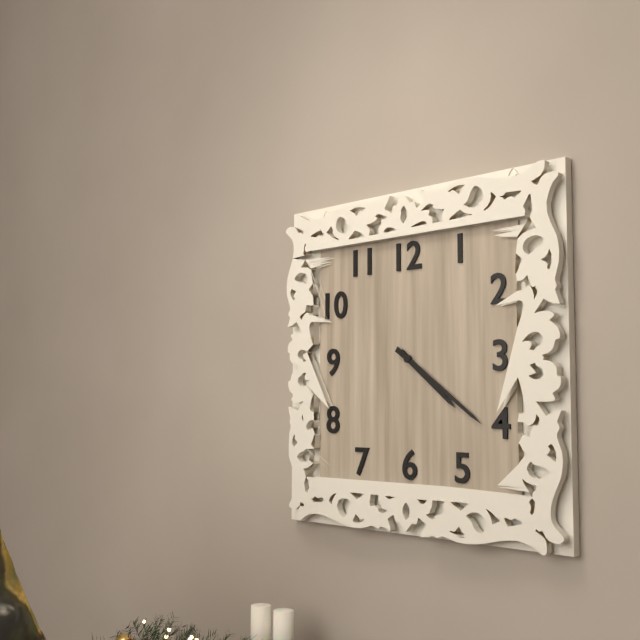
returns 4:21
